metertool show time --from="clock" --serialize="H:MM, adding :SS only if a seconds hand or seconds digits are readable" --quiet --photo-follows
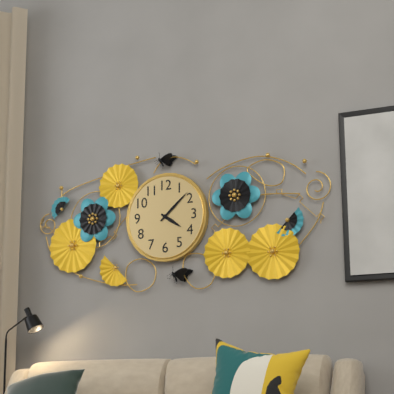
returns 4:08
